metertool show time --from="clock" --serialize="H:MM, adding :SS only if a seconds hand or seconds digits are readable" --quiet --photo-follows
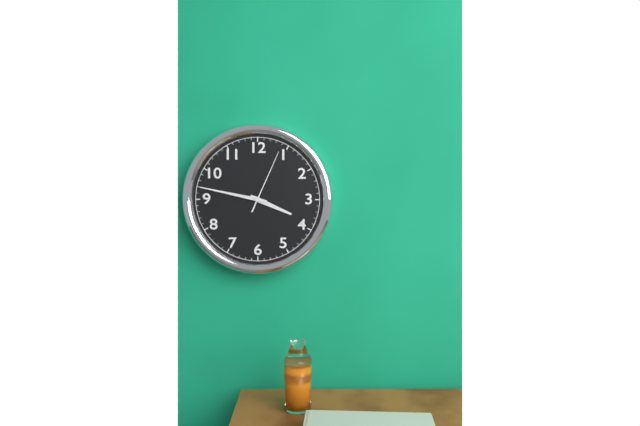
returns 3:47:04
